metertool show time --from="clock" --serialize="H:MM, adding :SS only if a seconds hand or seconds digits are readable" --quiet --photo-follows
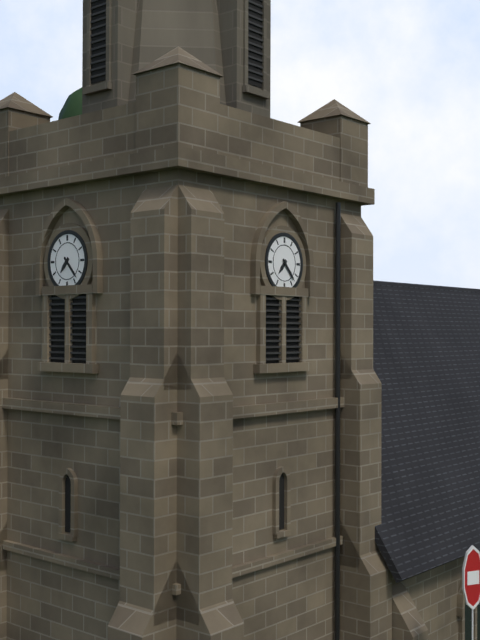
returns 7:23
